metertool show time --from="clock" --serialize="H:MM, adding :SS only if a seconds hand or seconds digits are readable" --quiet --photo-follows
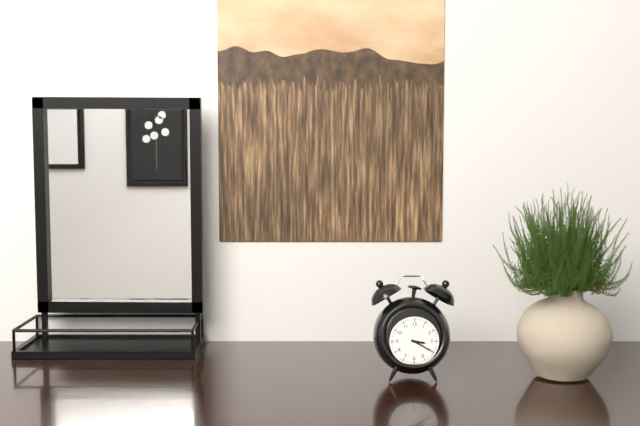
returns 3:20
